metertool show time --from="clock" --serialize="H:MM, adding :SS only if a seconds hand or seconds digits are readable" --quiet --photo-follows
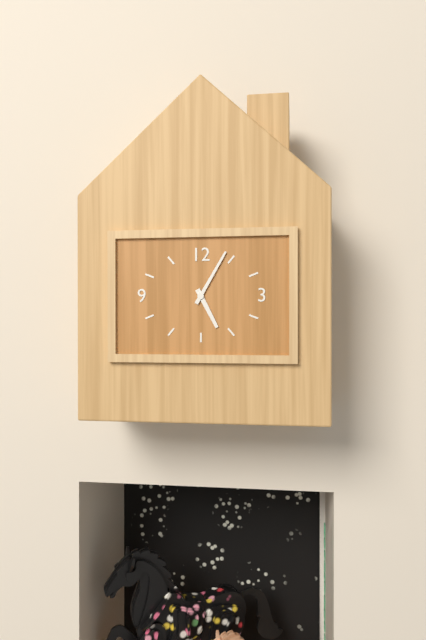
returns 5:05
